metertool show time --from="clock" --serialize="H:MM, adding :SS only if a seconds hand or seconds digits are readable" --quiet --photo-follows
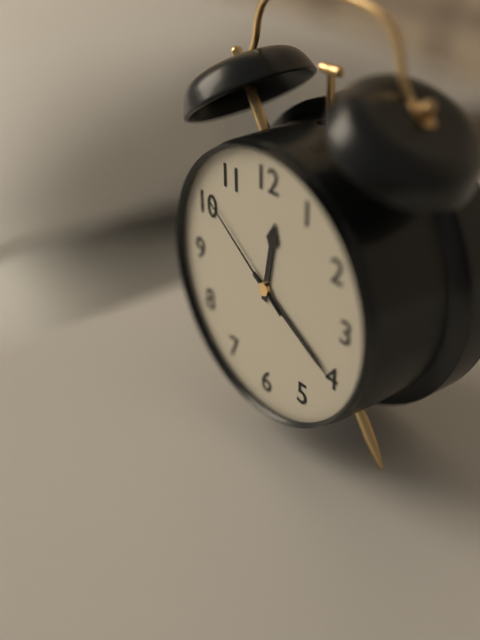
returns 12:20:51
